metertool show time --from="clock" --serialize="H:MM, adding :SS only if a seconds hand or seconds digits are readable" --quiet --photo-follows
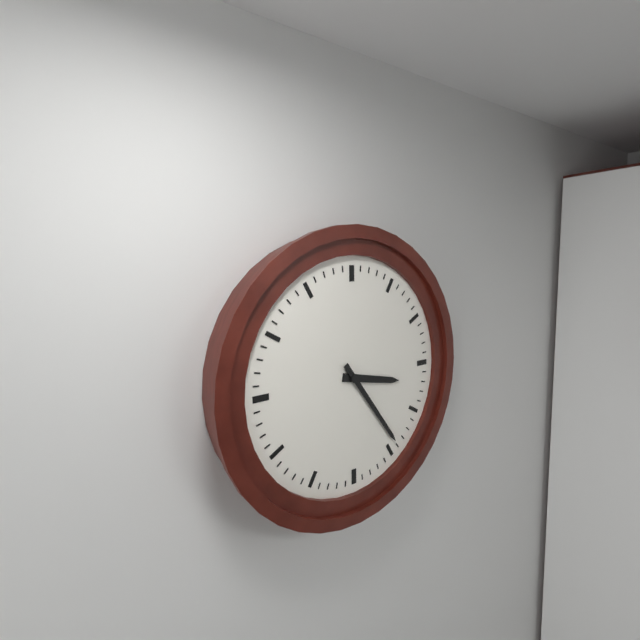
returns 3:24
